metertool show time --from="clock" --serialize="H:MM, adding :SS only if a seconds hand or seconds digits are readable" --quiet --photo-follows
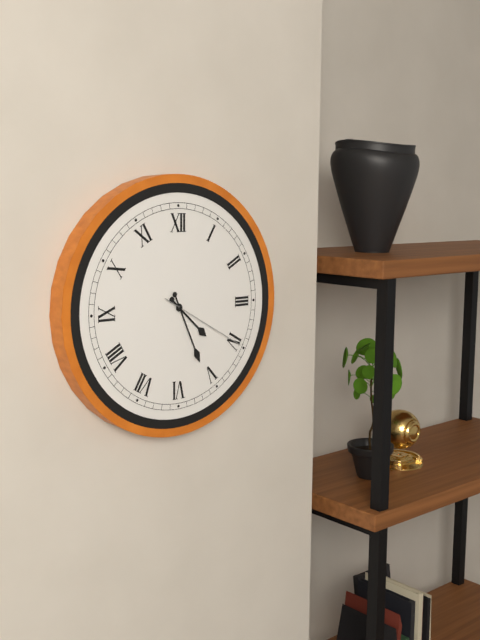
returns 4:26:20
